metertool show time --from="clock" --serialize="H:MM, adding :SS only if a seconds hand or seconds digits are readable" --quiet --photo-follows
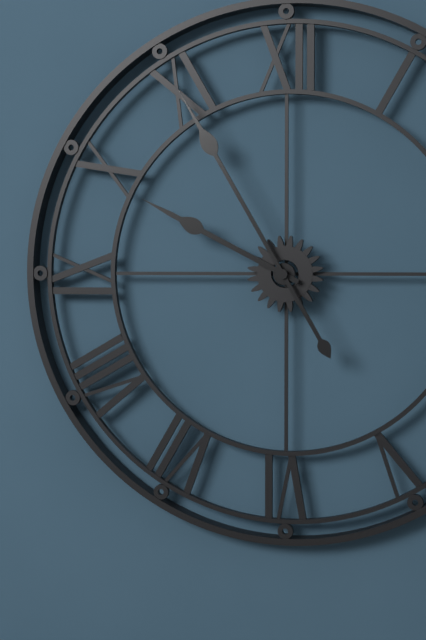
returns 9:55
